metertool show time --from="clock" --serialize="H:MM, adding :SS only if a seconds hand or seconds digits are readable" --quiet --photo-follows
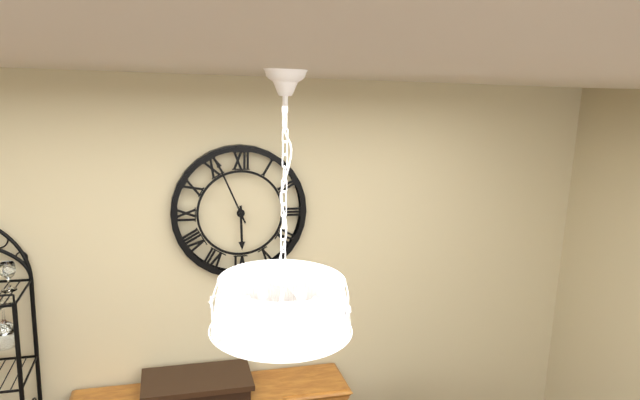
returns 5:56
